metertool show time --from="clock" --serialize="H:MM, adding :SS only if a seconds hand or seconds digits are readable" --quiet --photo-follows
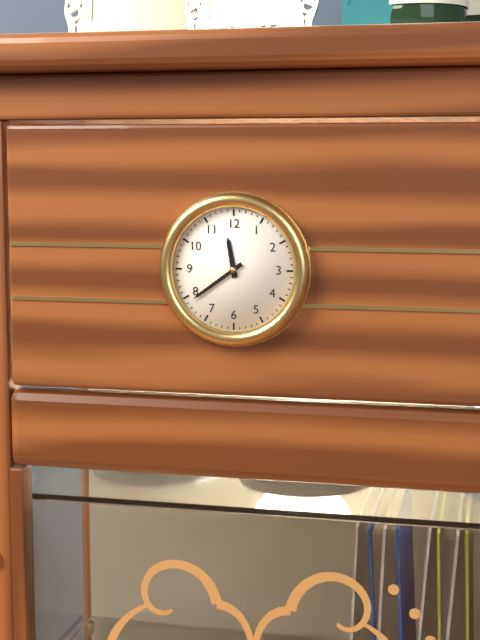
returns 11:39
